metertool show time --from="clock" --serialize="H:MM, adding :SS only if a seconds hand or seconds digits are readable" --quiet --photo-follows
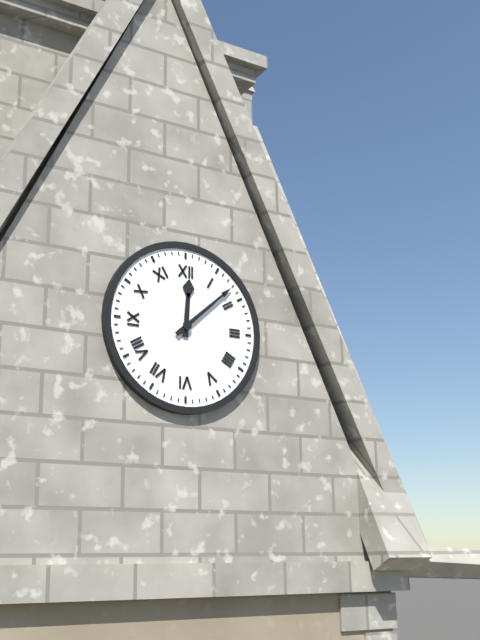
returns 12:08
